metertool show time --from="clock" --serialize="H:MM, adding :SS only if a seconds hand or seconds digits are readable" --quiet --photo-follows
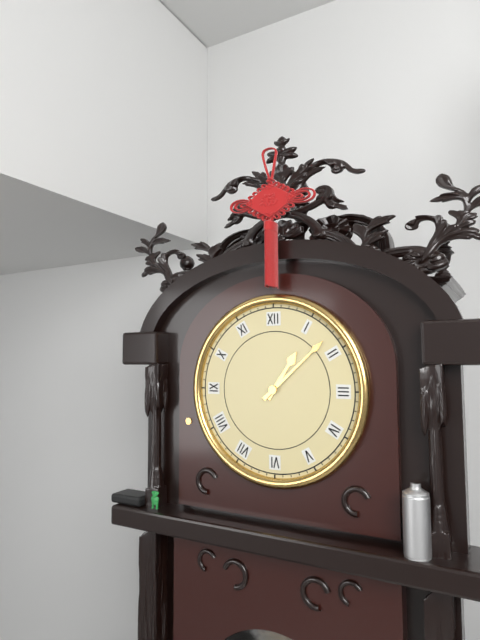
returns 1:08
